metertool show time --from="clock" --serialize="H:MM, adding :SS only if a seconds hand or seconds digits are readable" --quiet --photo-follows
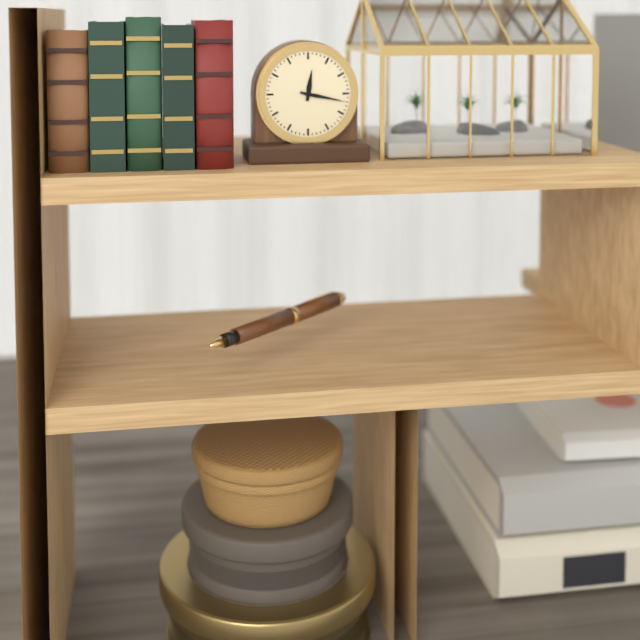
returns 12:17
